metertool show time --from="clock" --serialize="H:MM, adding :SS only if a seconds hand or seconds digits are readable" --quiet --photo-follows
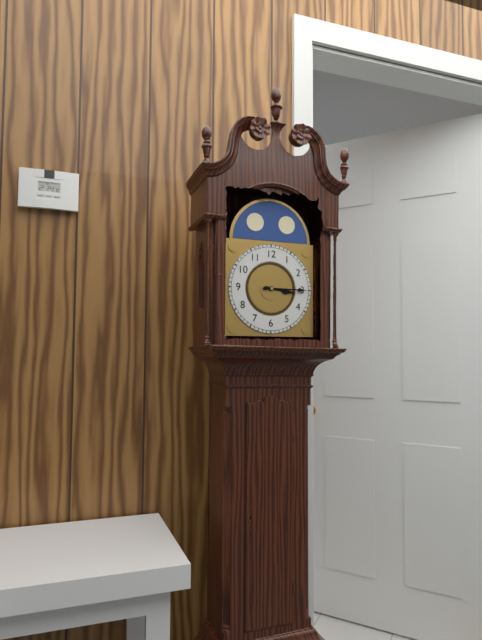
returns 3:15
